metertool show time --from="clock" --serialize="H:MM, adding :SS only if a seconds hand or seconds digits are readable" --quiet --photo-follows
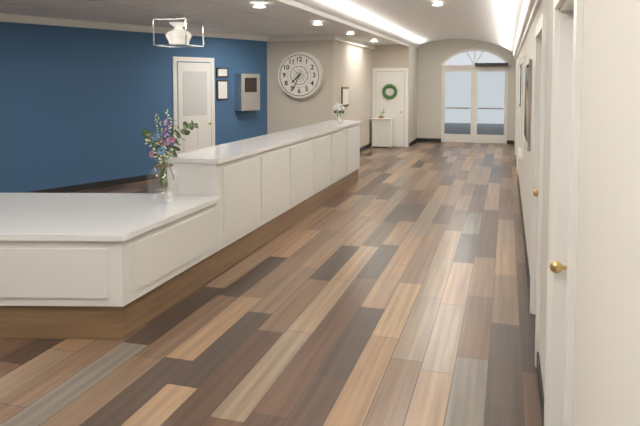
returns 7:34
